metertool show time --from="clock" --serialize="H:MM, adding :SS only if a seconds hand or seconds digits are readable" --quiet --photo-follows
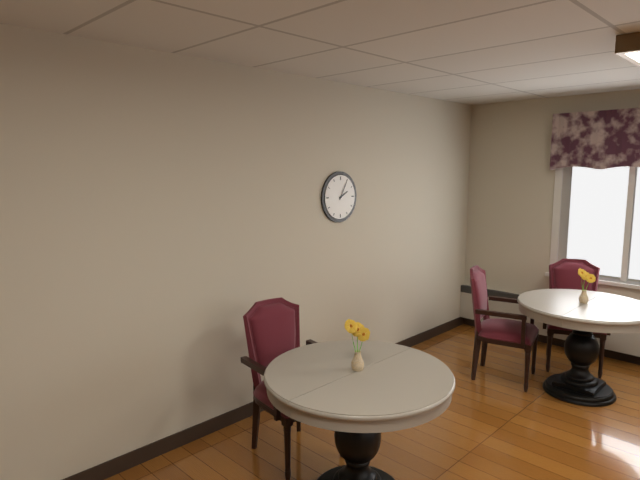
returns 2:05
